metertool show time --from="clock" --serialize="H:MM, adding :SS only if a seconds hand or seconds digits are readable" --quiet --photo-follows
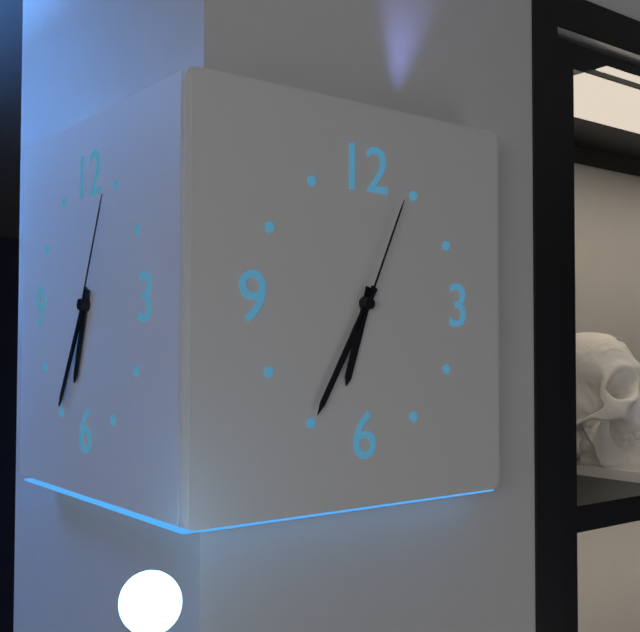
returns 6:35:04
